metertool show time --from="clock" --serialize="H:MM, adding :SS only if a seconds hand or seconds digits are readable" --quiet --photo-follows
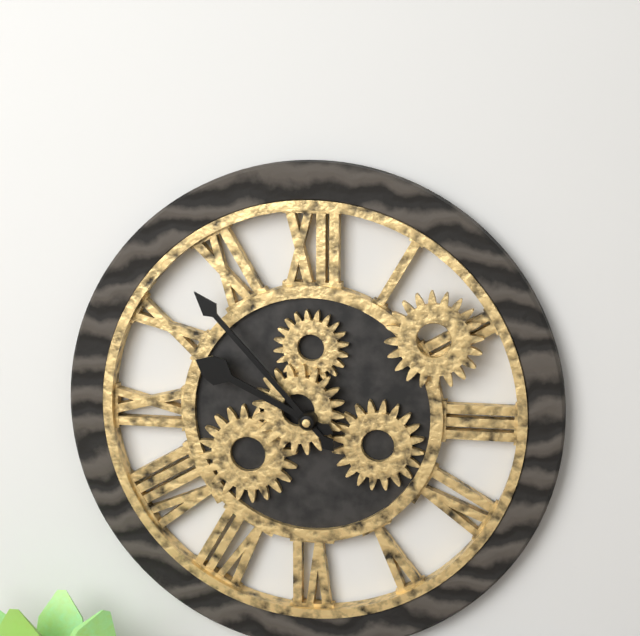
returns 9:53
